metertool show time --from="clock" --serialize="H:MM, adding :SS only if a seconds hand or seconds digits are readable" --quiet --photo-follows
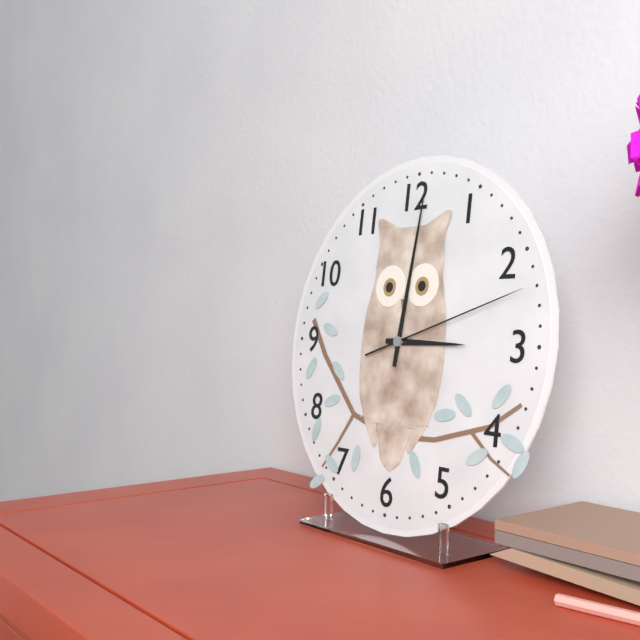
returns 3:01:12
